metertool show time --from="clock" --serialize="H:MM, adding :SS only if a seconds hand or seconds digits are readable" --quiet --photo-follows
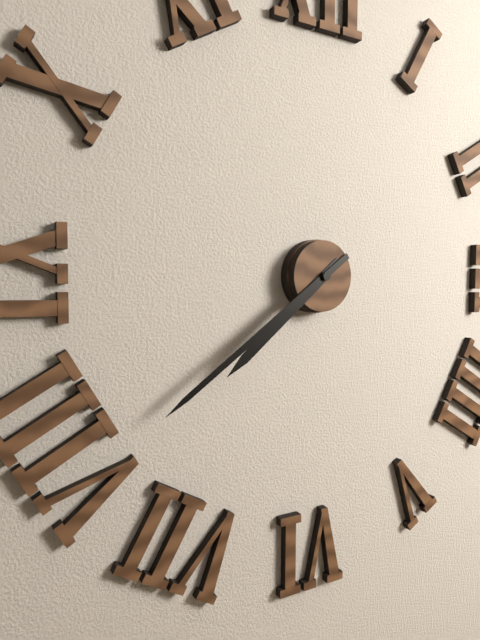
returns 7:39
